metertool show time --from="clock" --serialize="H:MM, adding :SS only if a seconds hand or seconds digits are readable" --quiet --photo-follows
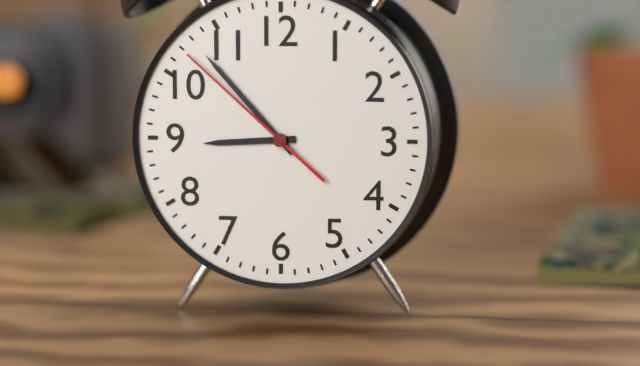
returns 8:53:52
